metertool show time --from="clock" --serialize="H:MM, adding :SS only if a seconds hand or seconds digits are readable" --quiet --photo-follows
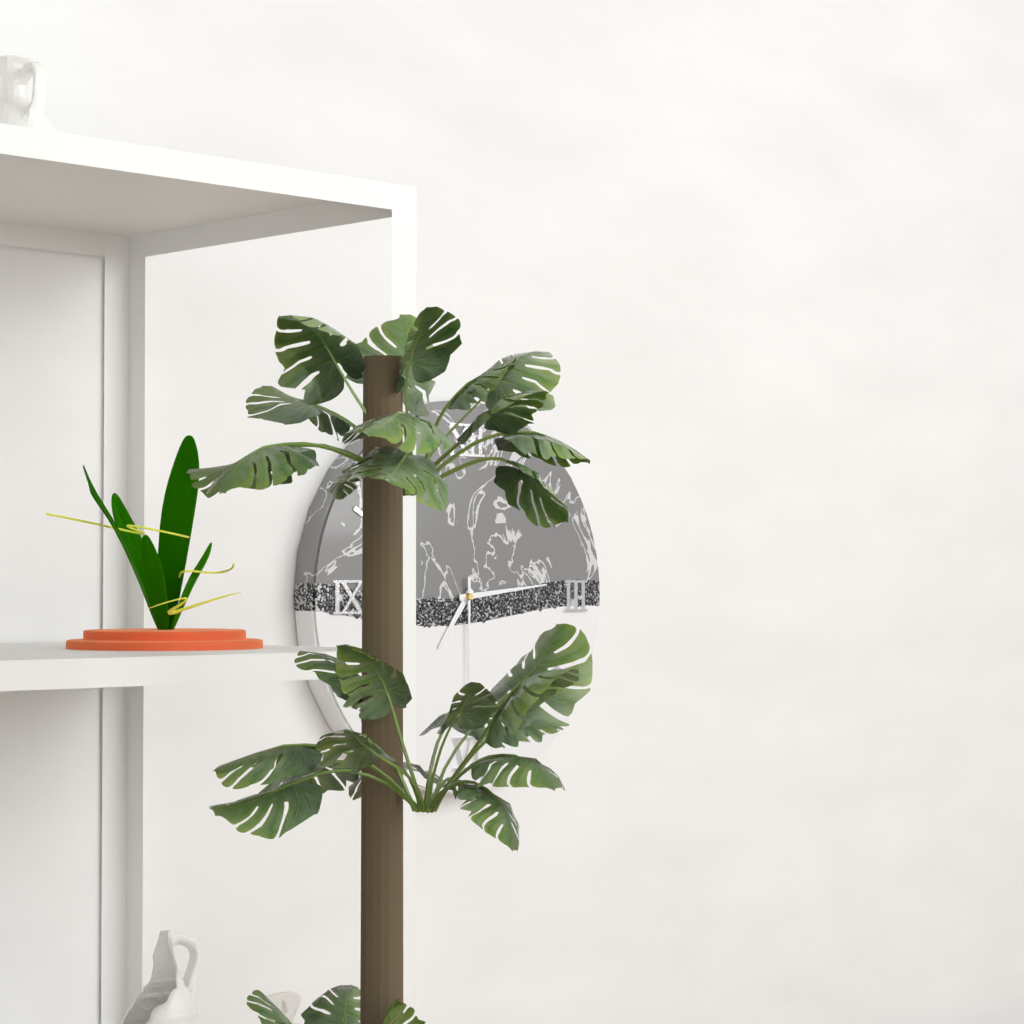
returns 7:14:30
